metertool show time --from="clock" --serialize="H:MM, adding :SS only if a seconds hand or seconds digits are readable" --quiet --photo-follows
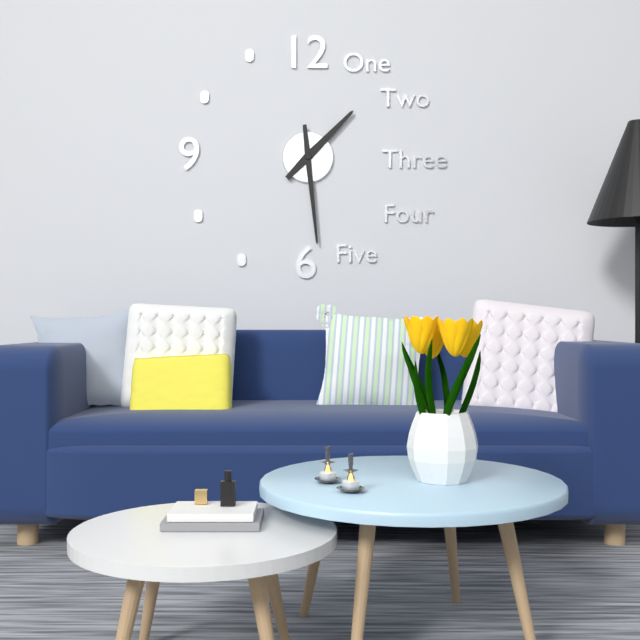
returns 1:29
